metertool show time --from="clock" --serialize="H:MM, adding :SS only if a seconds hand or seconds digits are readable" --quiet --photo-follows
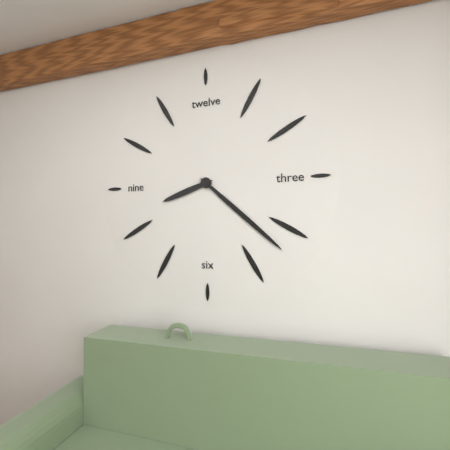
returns 8:22
